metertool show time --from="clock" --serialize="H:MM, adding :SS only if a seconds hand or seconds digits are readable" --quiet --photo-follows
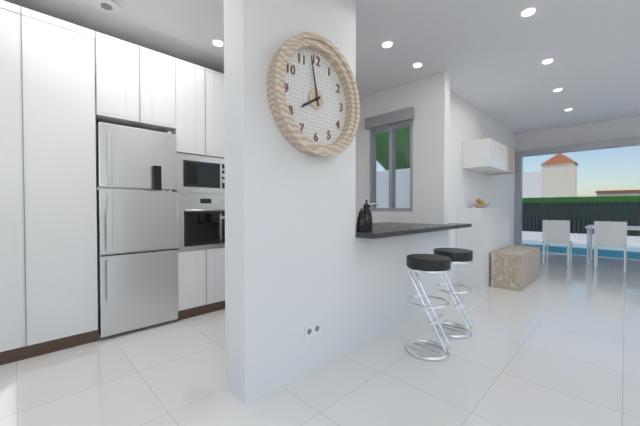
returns 7:58
